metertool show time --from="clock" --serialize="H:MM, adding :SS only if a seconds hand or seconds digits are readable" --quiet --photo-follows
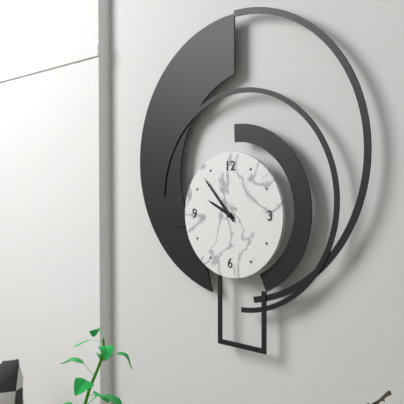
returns 9:53
